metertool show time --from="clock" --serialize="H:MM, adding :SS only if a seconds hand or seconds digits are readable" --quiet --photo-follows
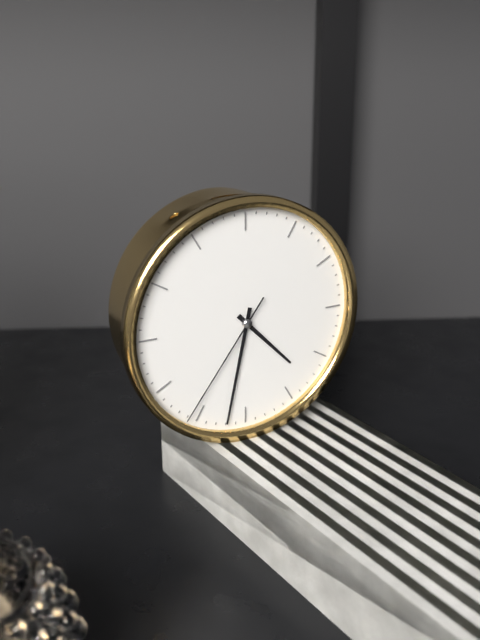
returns 4:32:36
